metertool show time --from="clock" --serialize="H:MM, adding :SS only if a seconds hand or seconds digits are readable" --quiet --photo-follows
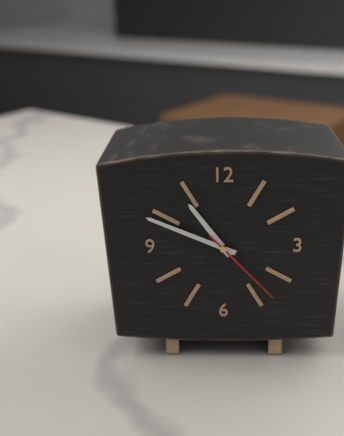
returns 10:49:23
